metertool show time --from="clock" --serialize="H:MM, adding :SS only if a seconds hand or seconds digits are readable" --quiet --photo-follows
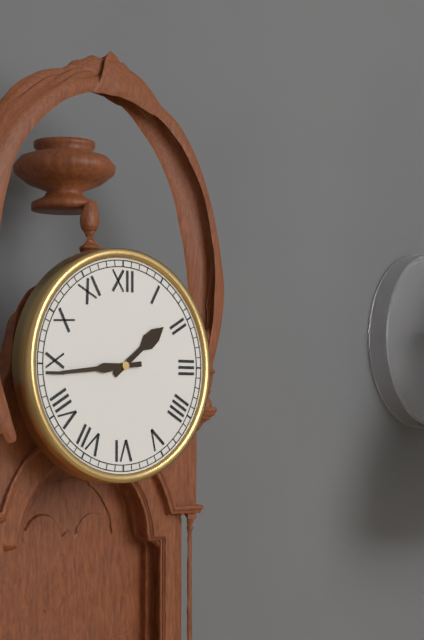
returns 1:44
